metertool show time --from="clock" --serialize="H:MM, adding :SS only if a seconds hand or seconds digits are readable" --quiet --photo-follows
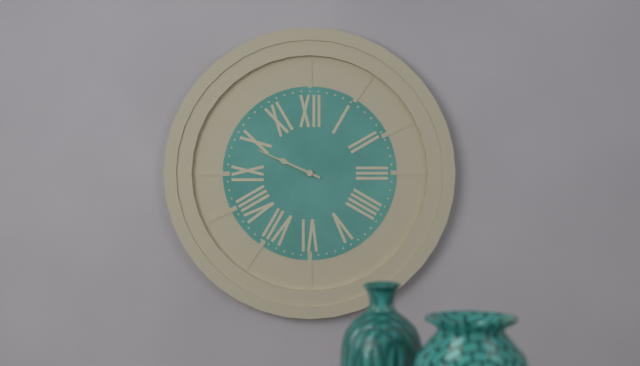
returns 9:49
